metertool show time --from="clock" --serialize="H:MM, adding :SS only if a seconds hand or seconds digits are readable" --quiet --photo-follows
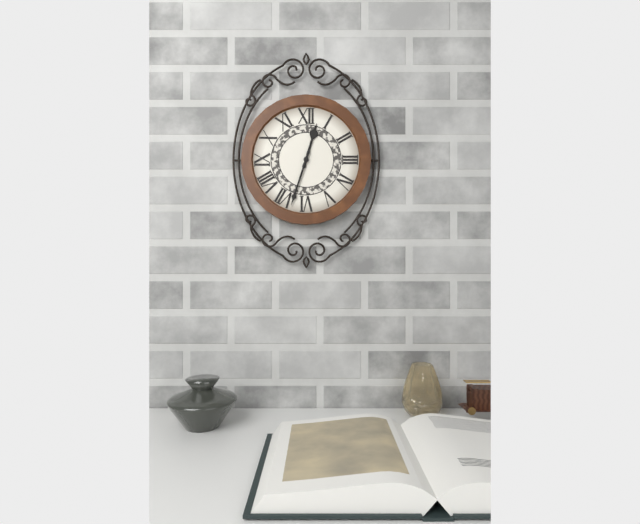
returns 12:33
